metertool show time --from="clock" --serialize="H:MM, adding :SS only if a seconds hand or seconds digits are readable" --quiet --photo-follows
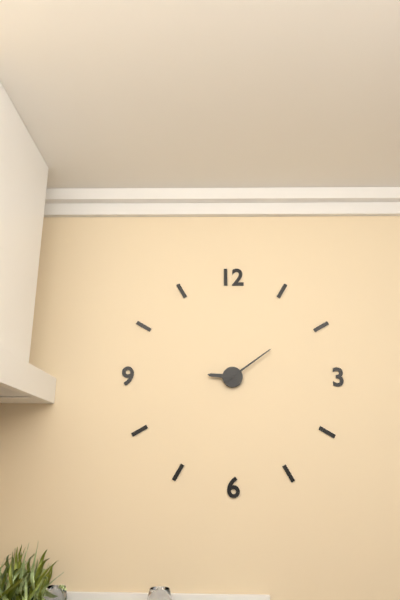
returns 9:09
